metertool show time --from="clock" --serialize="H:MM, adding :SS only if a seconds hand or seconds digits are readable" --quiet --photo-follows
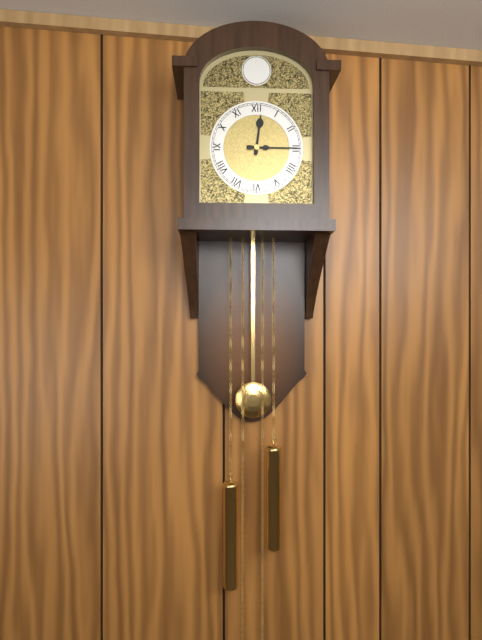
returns 12:15
